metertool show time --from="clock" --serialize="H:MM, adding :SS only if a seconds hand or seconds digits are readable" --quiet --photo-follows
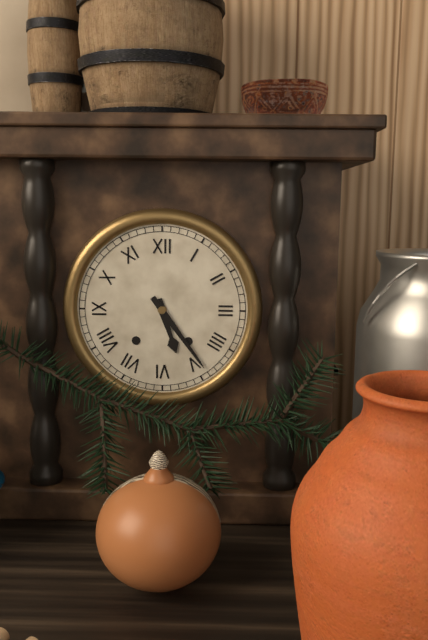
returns 5:24
